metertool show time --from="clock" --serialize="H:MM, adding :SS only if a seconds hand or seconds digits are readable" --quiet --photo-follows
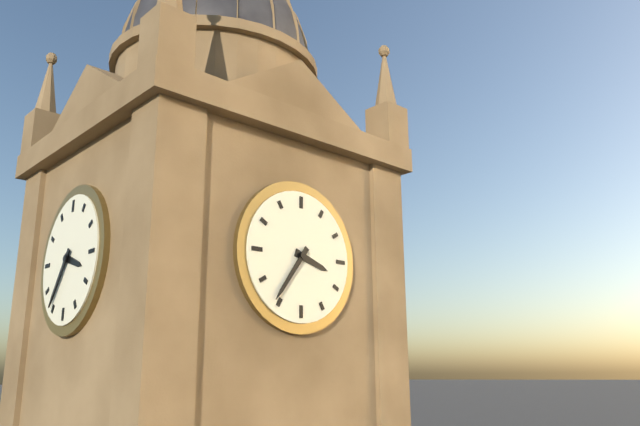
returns 3:36
